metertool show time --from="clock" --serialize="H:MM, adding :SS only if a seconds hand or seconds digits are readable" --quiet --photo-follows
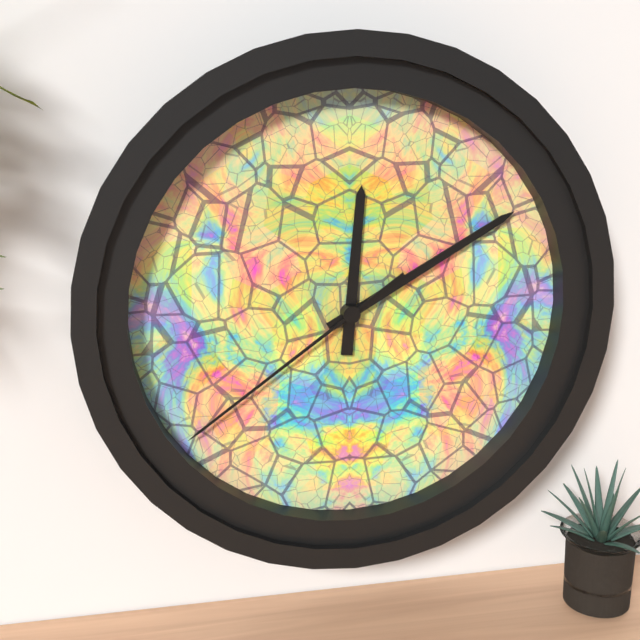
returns 12:10:39
